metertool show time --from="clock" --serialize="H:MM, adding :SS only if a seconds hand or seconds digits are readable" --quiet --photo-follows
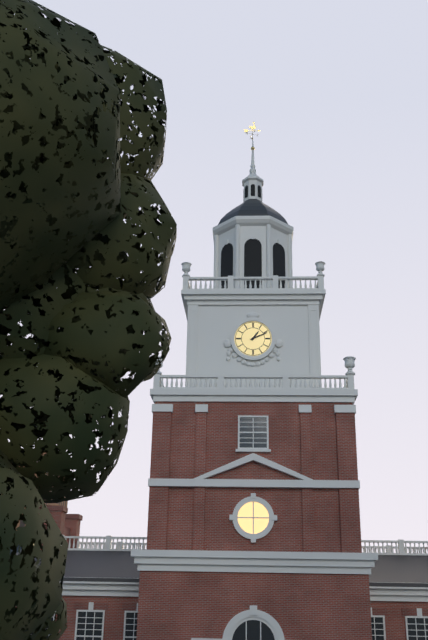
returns 1:11
